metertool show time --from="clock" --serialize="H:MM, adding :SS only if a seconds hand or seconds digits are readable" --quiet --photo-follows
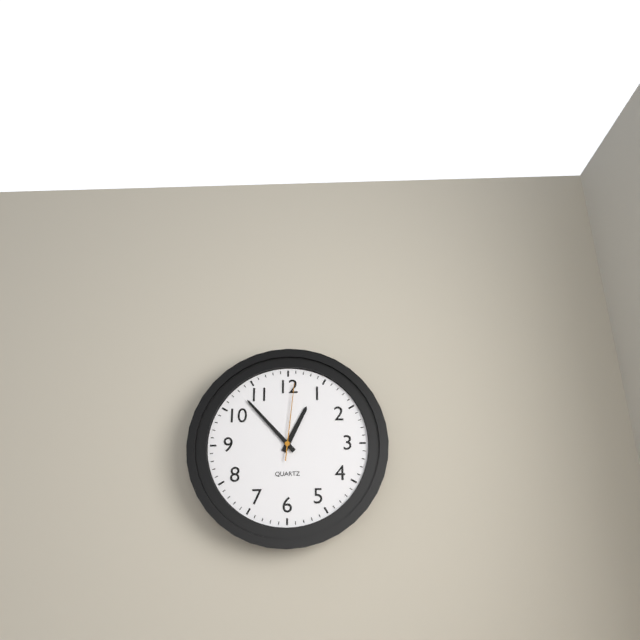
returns 12:53:01
